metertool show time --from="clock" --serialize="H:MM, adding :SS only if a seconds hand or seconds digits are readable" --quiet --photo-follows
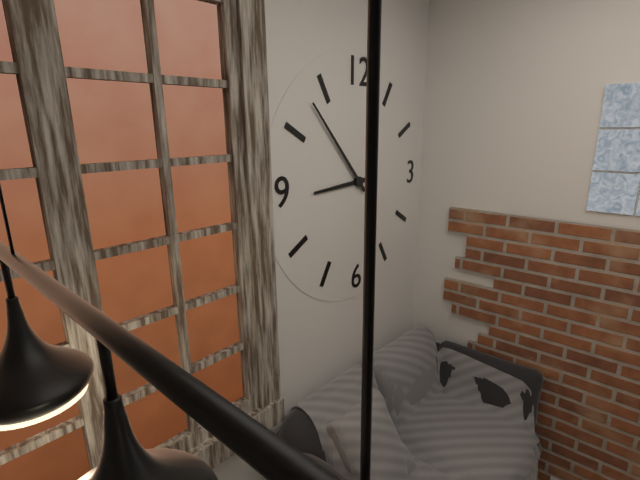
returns 8:53
